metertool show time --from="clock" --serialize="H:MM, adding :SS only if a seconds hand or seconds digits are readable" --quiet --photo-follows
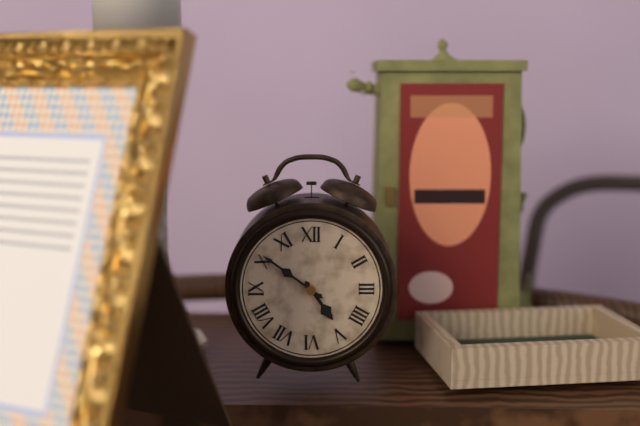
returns 4:51
